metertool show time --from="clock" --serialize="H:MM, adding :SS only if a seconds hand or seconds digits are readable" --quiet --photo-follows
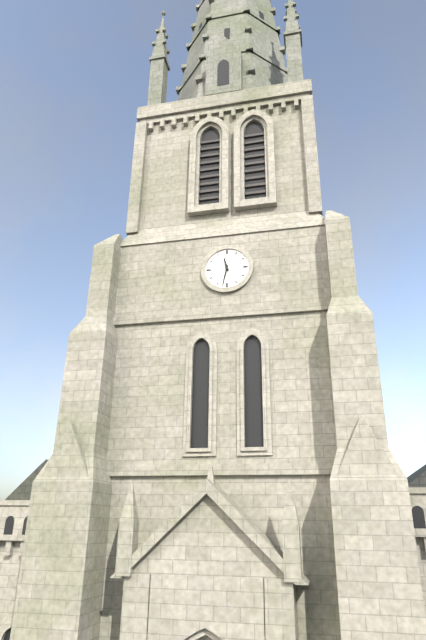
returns 11:32
